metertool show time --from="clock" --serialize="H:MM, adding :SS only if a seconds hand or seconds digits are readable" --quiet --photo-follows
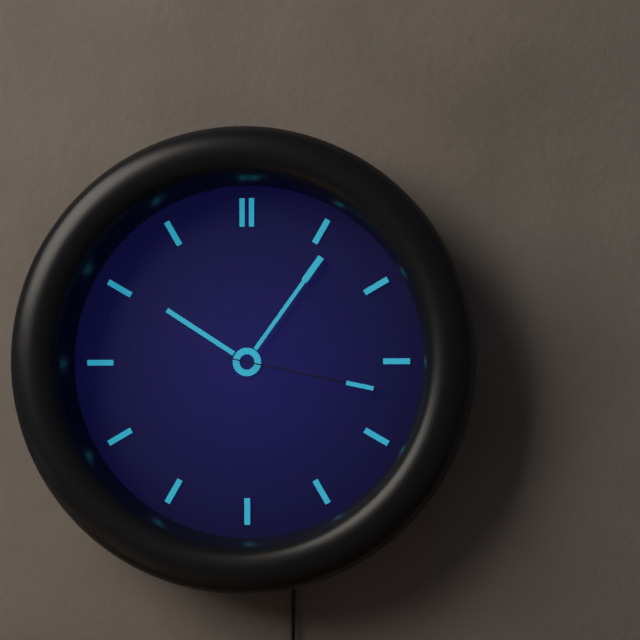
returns 10:06:17
